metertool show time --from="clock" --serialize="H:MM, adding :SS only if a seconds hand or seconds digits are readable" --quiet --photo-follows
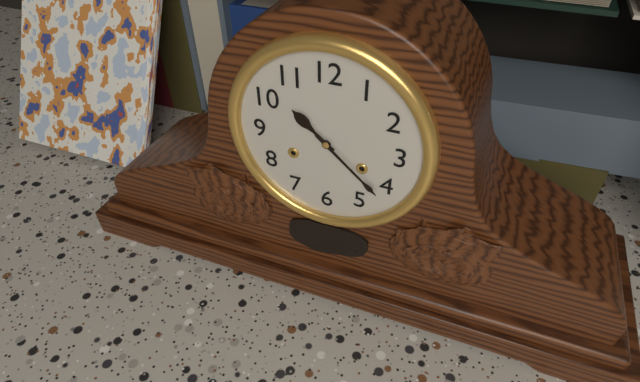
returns 10:22
